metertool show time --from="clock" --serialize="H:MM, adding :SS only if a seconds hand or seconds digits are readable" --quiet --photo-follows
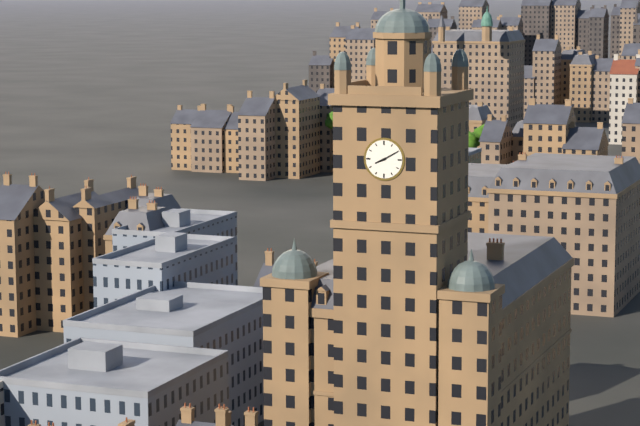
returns 8:10
